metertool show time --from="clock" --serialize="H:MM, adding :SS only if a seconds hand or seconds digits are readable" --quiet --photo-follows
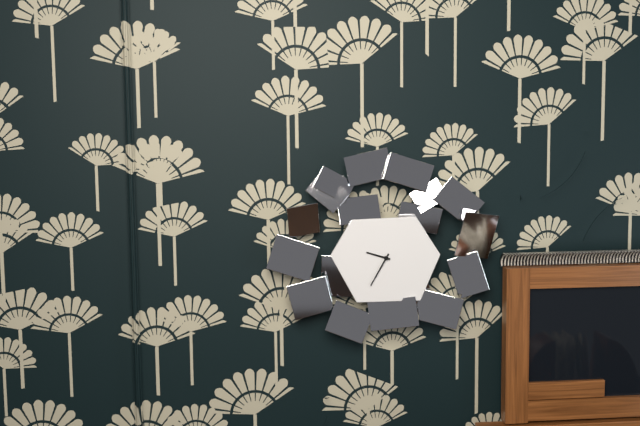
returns 9:35
